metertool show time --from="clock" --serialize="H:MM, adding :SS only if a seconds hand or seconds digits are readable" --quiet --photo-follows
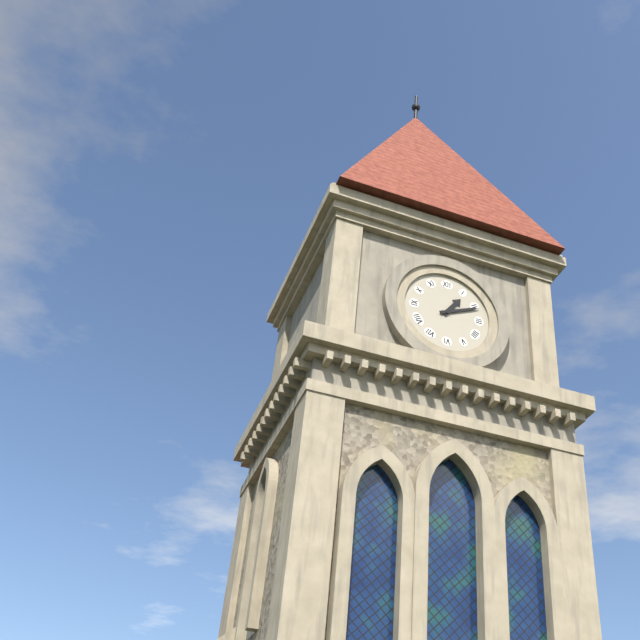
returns 1:11
